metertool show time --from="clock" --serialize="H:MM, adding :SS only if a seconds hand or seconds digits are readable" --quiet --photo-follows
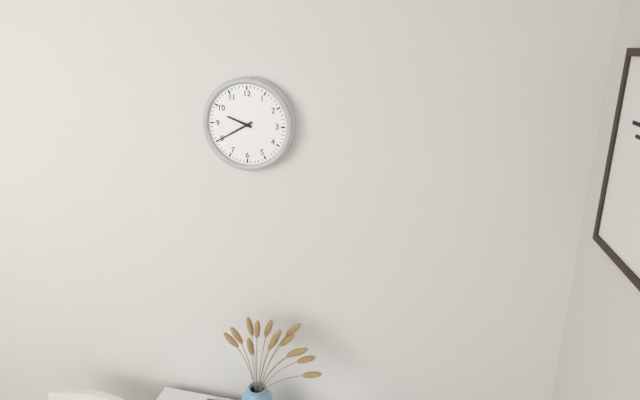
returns 9:40
